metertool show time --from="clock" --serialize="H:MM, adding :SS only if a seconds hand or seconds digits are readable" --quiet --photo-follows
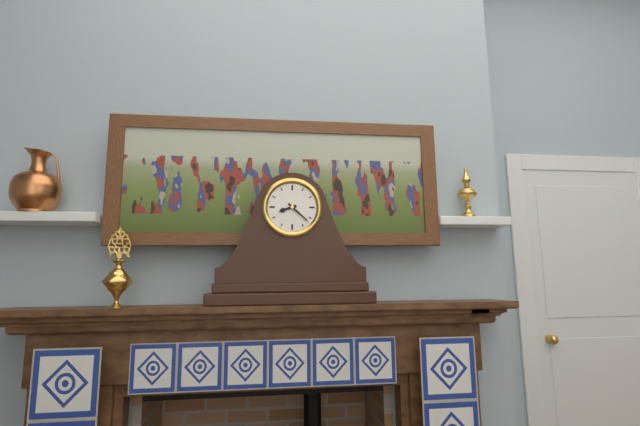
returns 8:22
